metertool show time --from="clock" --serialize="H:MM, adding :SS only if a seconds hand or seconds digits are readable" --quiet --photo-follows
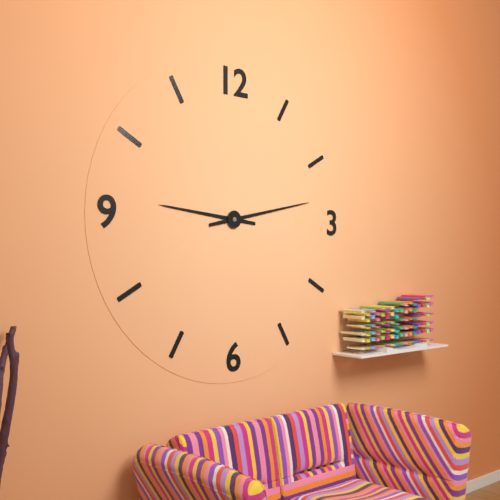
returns 9:13
